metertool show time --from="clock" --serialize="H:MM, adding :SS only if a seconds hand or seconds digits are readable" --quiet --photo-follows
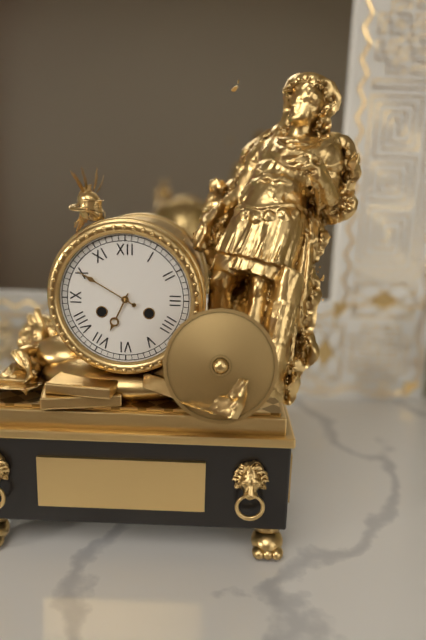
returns 6:50
